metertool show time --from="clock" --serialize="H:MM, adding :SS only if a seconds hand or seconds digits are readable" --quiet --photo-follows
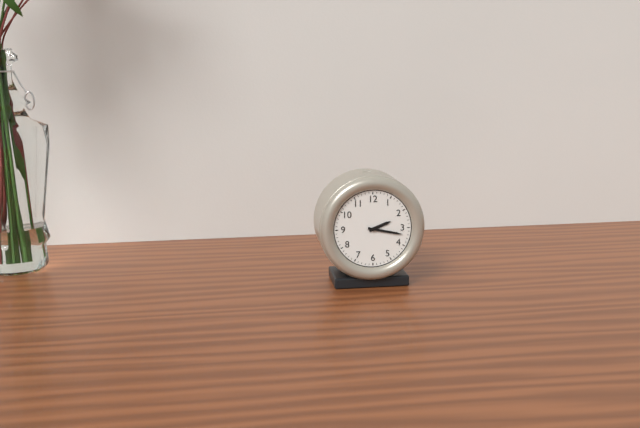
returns 2:17
